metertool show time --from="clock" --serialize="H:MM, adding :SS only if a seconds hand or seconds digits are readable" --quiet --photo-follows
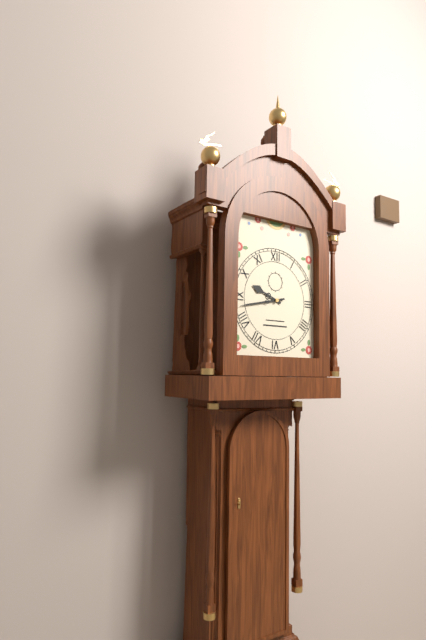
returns 9:43
